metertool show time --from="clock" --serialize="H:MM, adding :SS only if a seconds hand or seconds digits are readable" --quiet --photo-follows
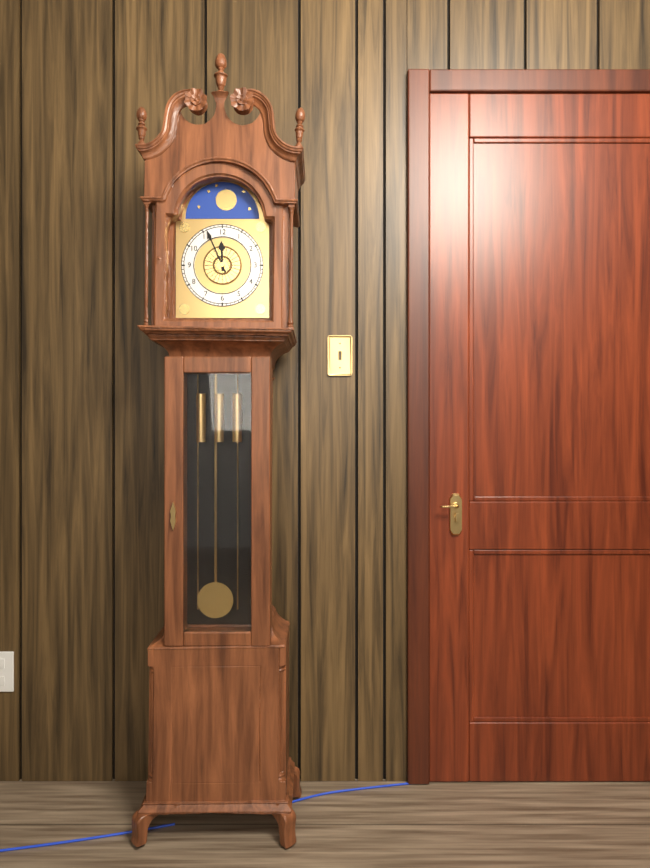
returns 11:56
